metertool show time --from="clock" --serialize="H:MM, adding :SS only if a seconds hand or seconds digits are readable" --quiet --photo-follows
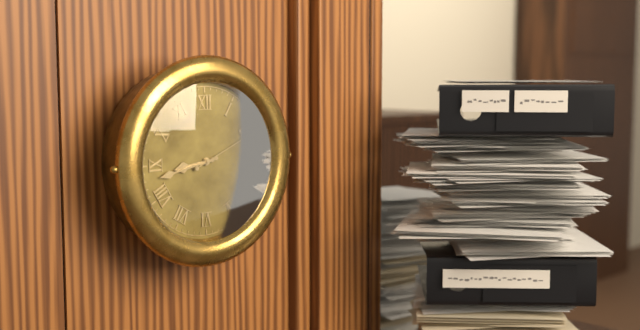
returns 8:43:11
